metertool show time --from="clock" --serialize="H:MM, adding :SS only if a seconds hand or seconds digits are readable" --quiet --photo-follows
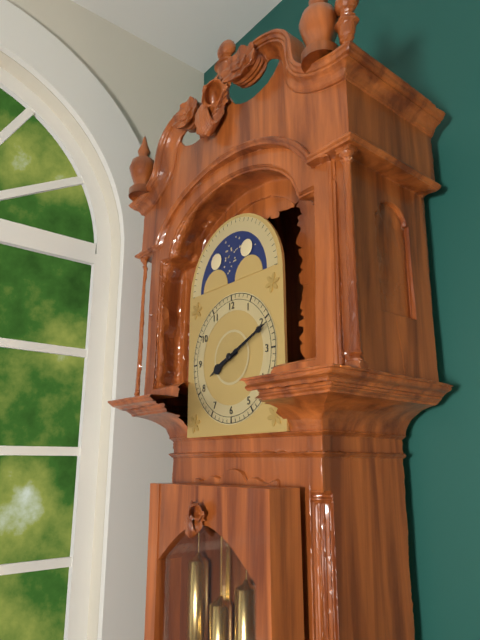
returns 8:11
